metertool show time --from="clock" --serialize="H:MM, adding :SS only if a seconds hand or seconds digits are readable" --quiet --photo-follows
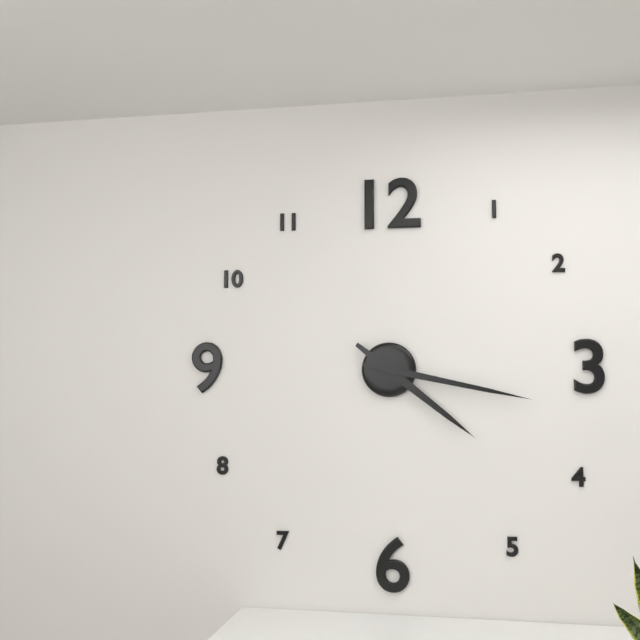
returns 4:17
